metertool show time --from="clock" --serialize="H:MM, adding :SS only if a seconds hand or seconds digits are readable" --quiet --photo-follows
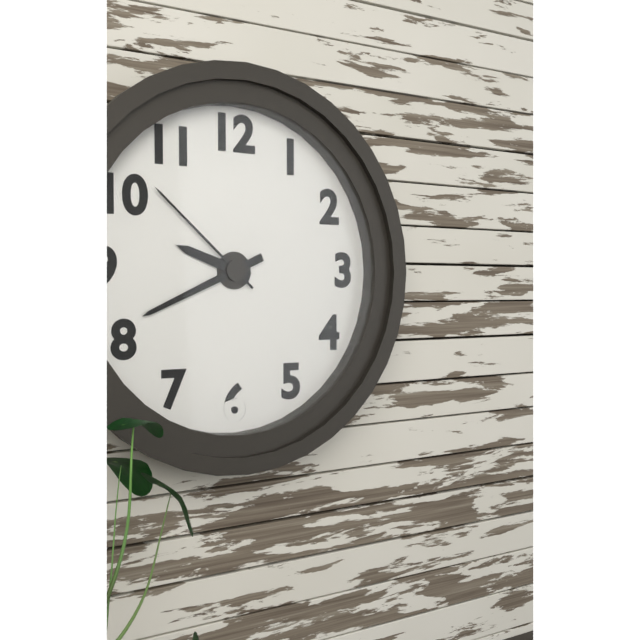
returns 9:41:52
